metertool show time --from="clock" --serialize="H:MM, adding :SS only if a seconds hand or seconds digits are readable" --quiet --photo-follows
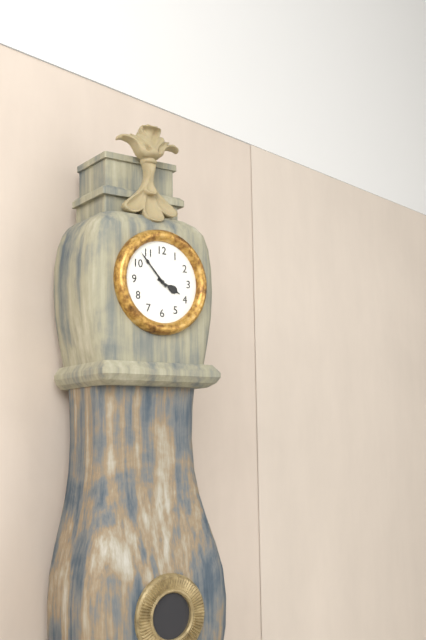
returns 3:53
